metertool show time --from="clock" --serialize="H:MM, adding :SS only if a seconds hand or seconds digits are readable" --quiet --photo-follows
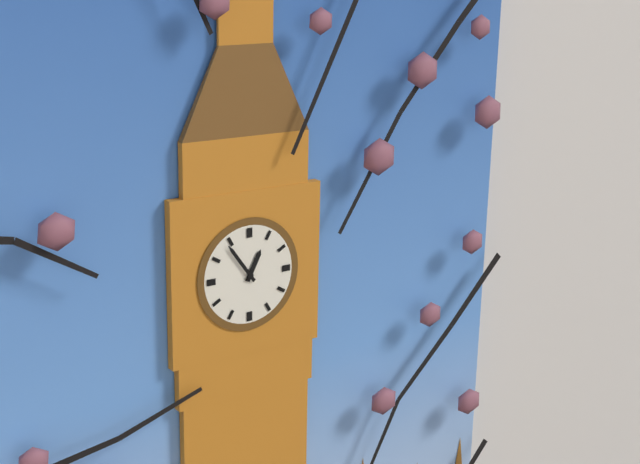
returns 12:54
